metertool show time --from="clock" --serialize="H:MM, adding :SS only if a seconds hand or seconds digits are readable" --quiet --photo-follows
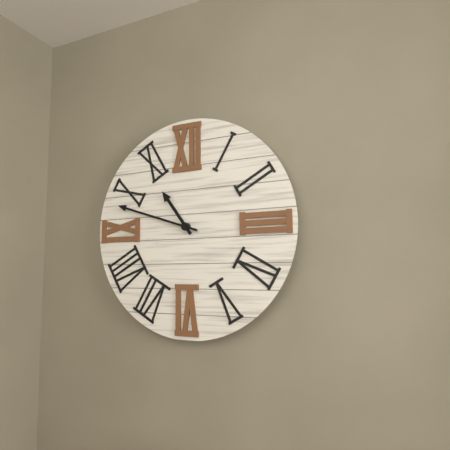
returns 10:48
